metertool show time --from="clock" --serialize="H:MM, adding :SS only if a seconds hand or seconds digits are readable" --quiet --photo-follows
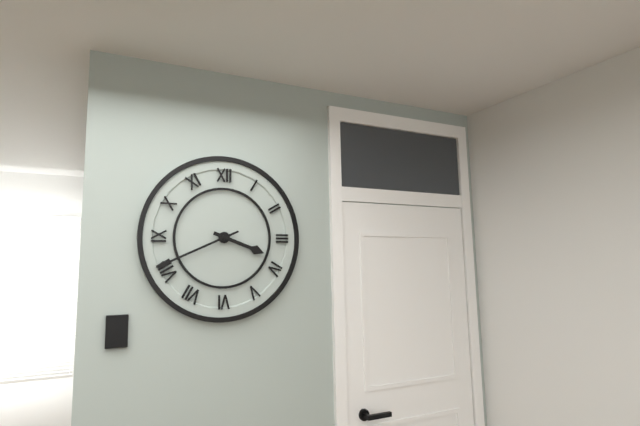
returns 3:41
